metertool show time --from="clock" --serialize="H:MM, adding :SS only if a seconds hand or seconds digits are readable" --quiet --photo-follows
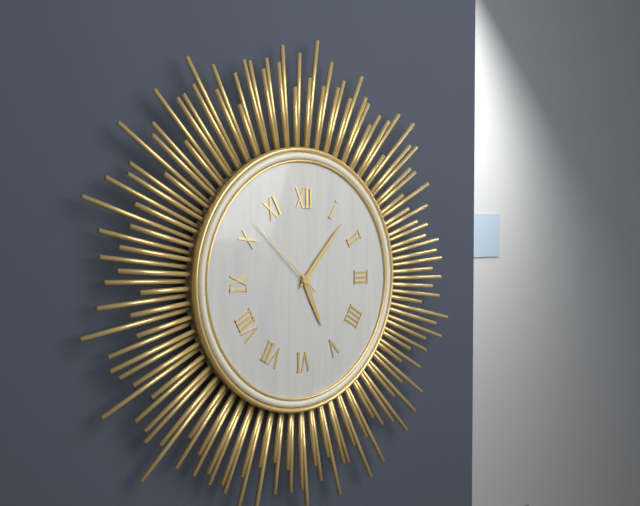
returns 5:07:52
